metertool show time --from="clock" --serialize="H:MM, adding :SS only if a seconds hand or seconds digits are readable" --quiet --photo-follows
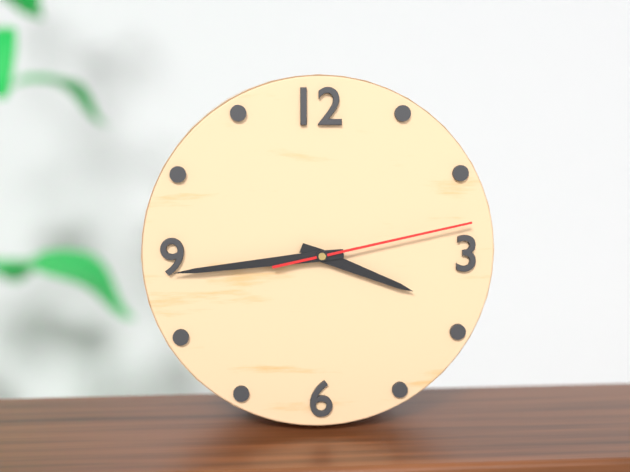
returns 3:44:13
